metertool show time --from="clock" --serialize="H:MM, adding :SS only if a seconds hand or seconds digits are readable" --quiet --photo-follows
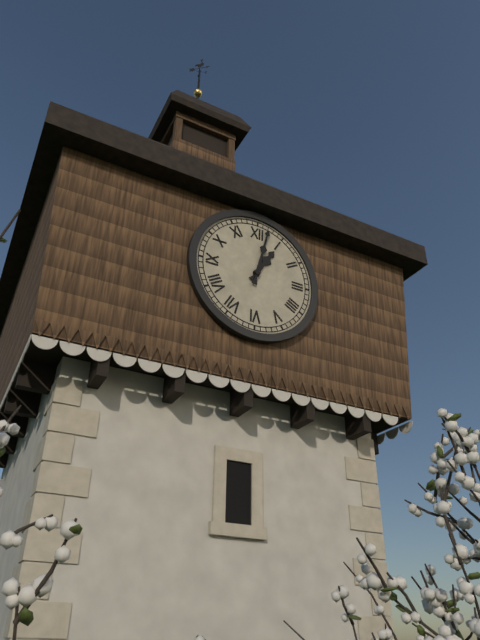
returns 1:02
